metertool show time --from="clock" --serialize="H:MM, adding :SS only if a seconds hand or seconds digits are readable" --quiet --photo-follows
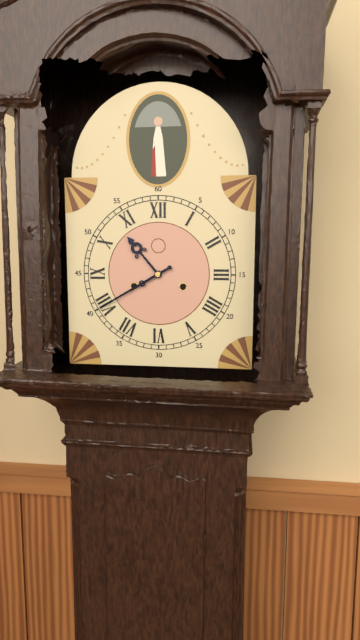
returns 10:40
